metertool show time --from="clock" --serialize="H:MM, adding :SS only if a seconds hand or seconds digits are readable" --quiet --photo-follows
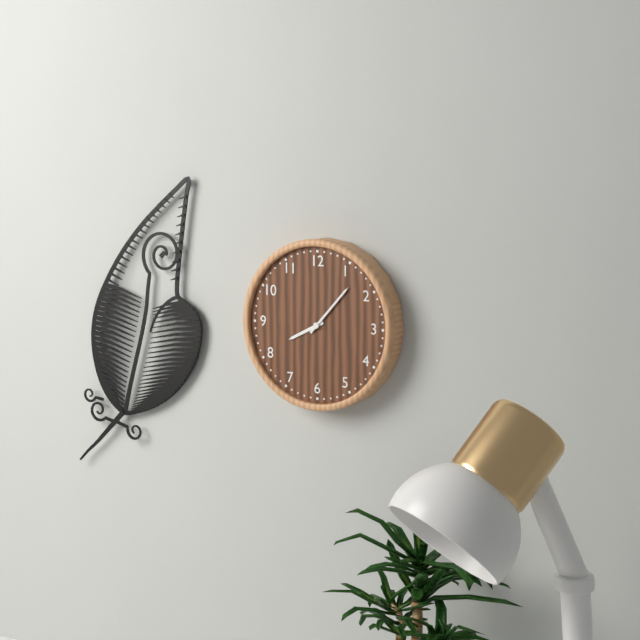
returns 8:07
